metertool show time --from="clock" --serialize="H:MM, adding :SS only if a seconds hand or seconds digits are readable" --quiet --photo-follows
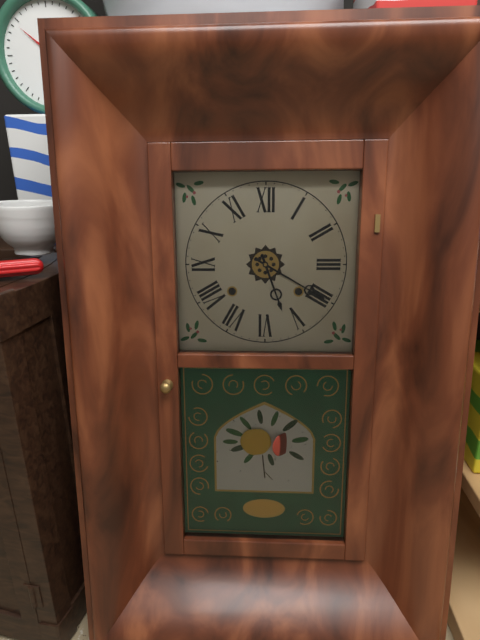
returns 5:20
